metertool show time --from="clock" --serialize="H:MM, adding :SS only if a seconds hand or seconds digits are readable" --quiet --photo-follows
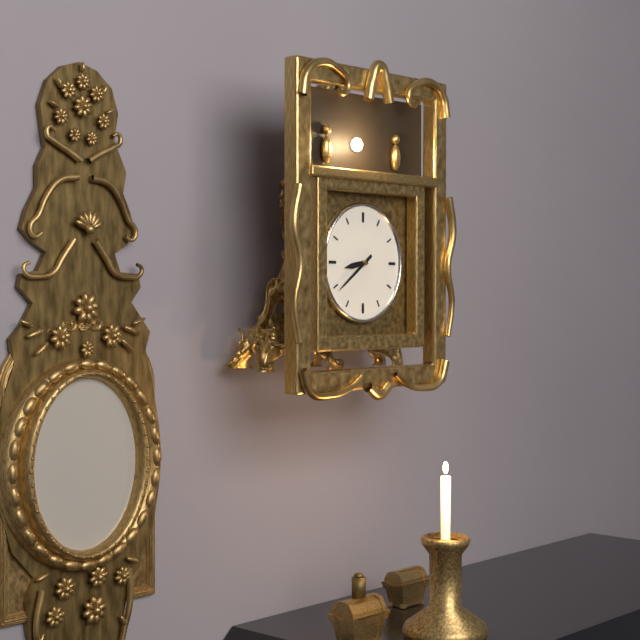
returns 8:39
